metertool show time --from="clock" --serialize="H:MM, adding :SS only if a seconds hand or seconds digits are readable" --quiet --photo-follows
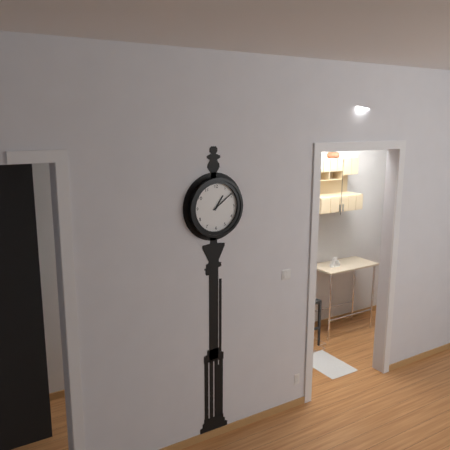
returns 1:09
